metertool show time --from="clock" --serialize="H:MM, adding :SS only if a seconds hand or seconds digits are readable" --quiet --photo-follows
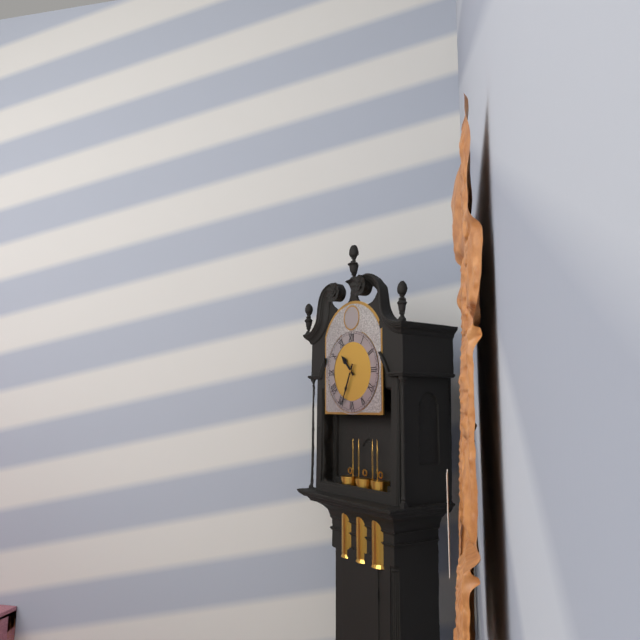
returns 10:34
